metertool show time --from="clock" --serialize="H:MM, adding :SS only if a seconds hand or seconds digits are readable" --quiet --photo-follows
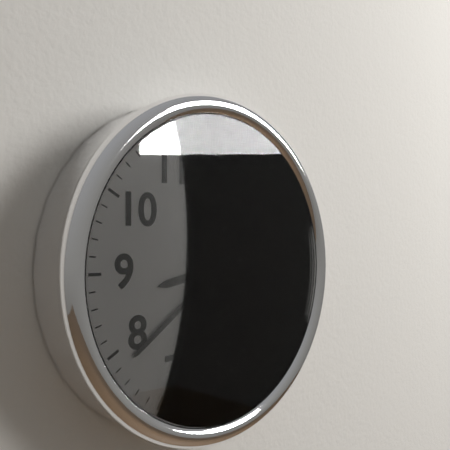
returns 8:39
